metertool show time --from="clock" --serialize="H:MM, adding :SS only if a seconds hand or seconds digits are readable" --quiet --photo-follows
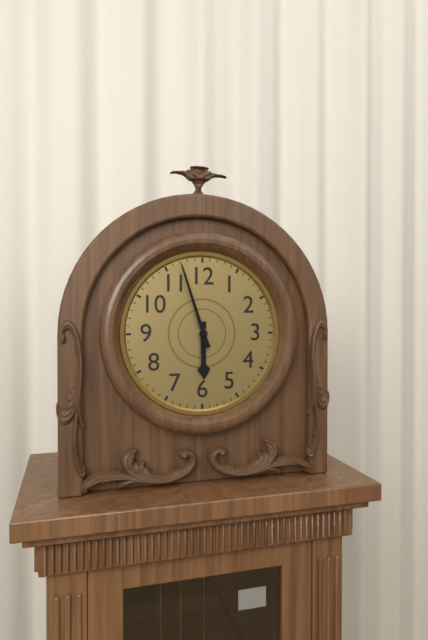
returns 5:57
